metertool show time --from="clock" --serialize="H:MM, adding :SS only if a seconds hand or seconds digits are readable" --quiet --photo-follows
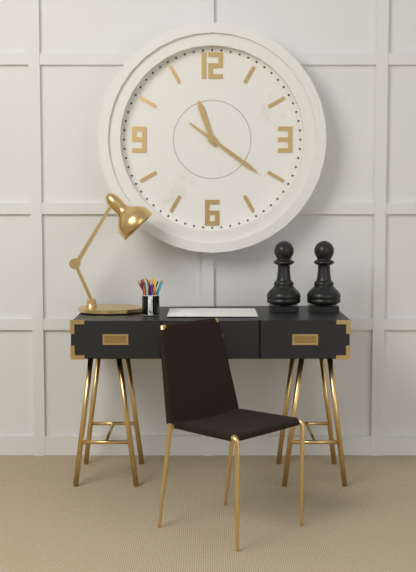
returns 11:21
